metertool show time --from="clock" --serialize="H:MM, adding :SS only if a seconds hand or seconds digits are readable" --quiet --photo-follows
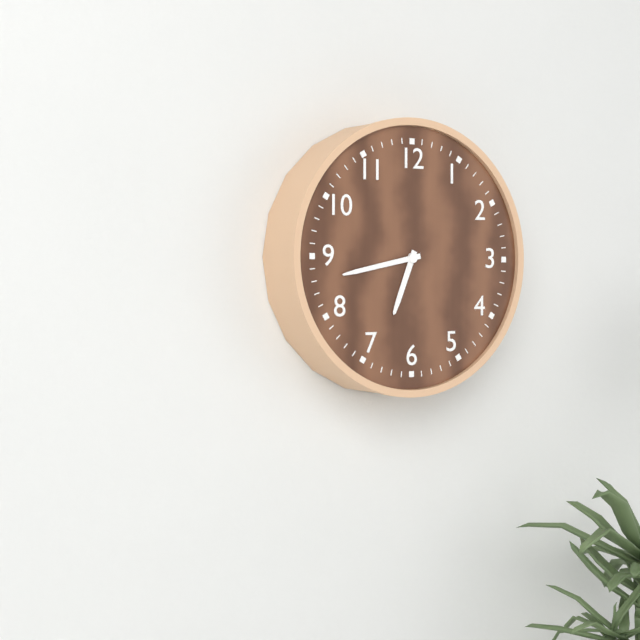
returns 6:43
